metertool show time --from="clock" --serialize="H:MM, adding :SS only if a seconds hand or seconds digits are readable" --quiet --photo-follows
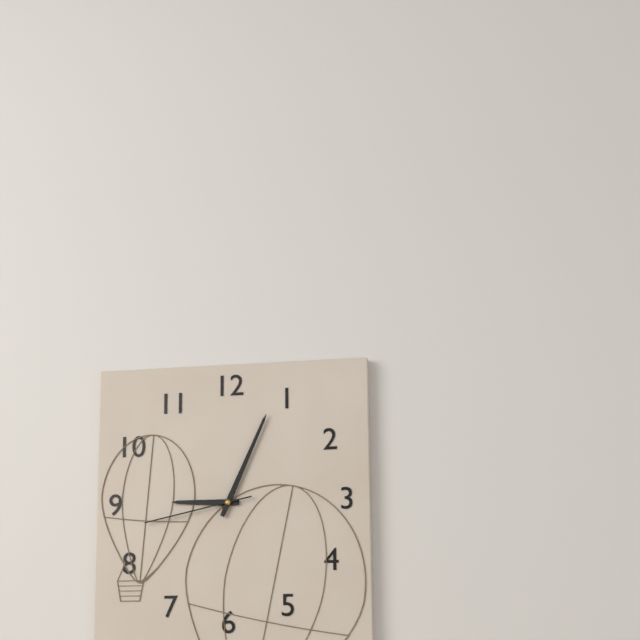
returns 9:04:43
